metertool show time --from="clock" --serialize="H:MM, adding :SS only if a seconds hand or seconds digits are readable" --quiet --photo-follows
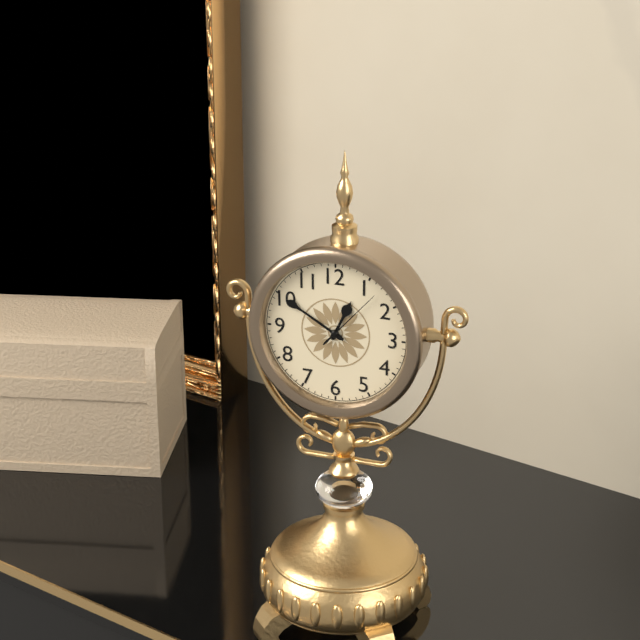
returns 12:50:07
